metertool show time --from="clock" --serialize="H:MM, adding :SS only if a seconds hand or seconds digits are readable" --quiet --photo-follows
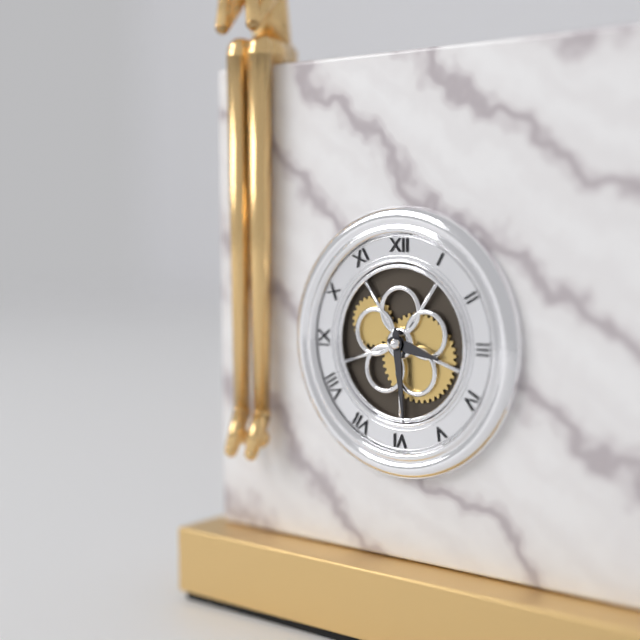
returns 3:29
